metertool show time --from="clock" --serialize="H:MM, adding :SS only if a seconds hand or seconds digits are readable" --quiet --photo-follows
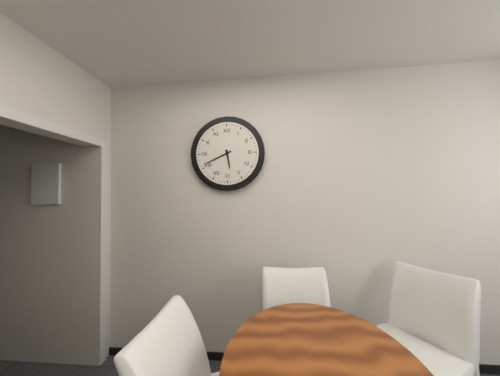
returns 5:41
